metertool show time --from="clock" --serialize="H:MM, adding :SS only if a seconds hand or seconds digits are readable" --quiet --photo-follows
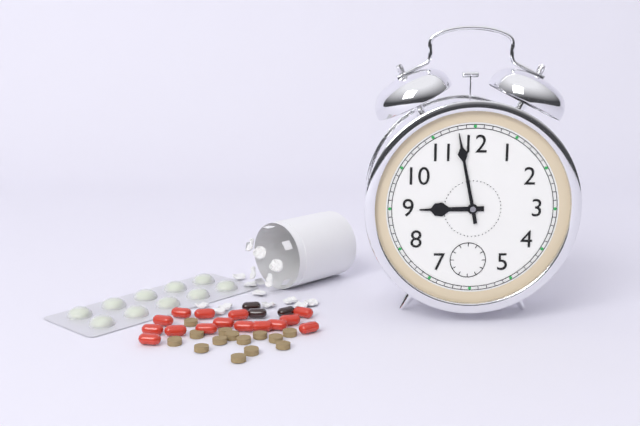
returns 8:58
